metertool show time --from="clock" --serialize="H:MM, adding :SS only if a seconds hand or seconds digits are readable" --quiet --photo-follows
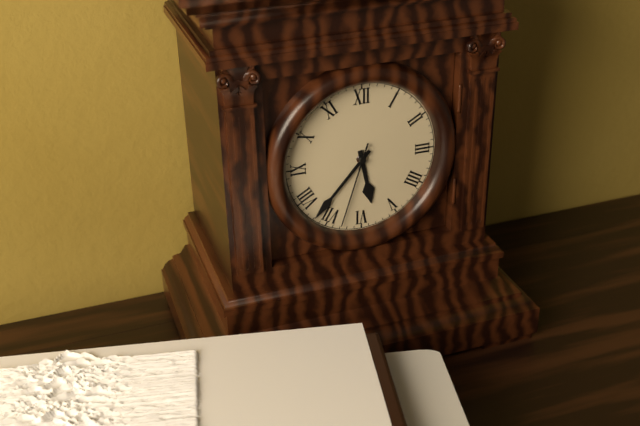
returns 5:37:33
